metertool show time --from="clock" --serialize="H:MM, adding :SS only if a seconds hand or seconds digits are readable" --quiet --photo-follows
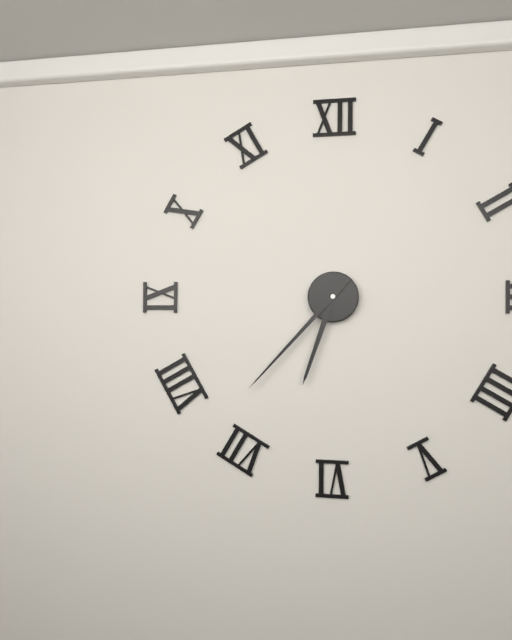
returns 6:37
